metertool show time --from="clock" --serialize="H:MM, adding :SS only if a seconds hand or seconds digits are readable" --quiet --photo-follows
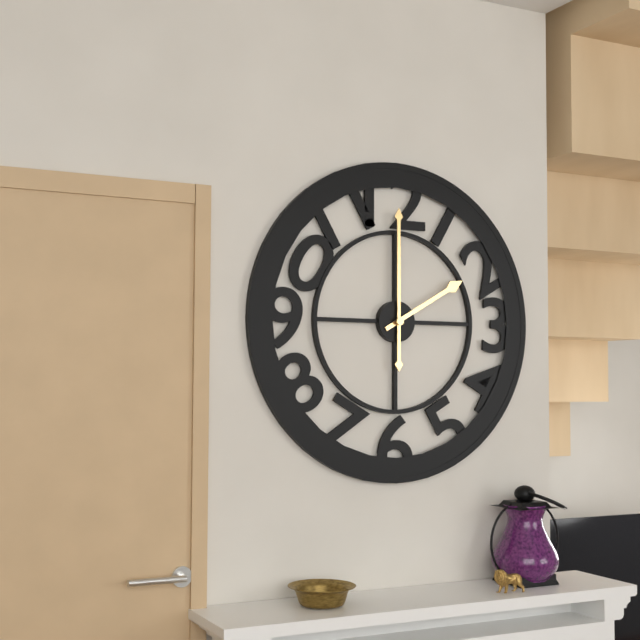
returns 2:00
